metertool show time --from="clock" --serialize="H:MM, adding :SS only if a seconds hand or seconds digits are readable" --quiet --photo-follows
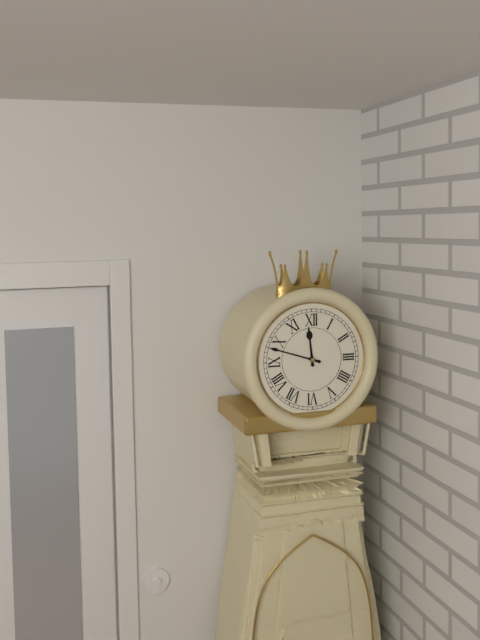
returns 11:48
